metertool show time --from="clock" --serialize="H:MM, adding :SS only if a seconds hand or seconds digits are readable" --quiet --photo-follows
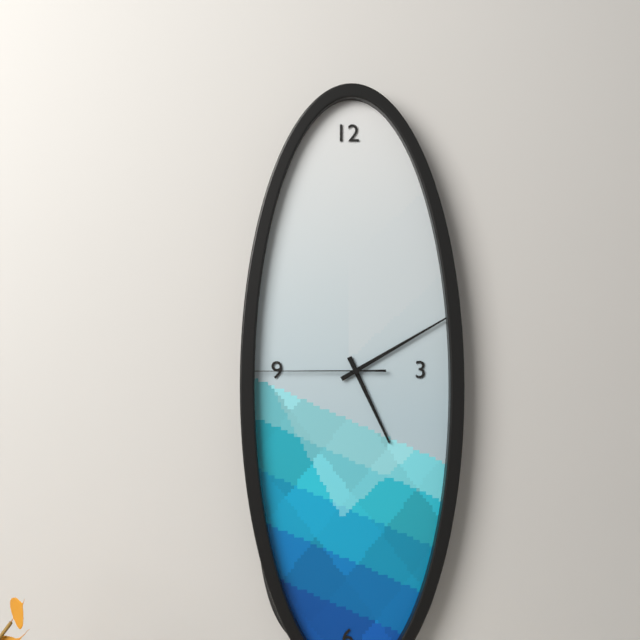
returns 5:10:45
